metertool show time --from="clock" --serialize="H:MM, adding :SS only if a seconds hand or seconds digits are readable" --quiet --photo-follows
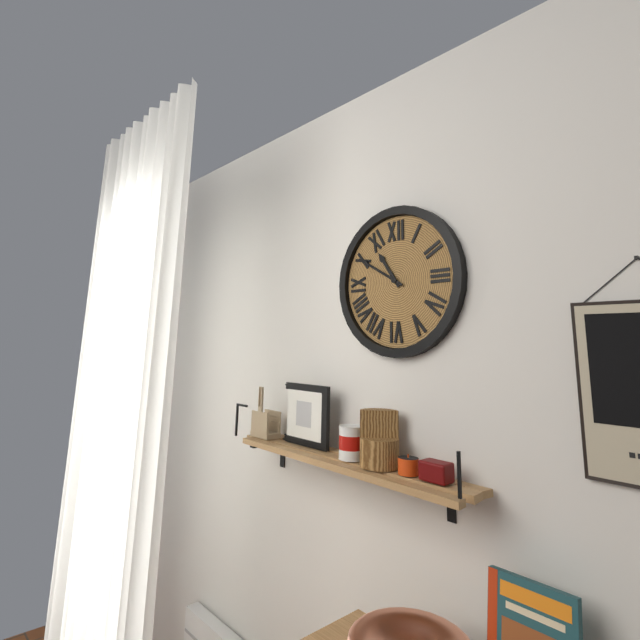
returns 10:50
